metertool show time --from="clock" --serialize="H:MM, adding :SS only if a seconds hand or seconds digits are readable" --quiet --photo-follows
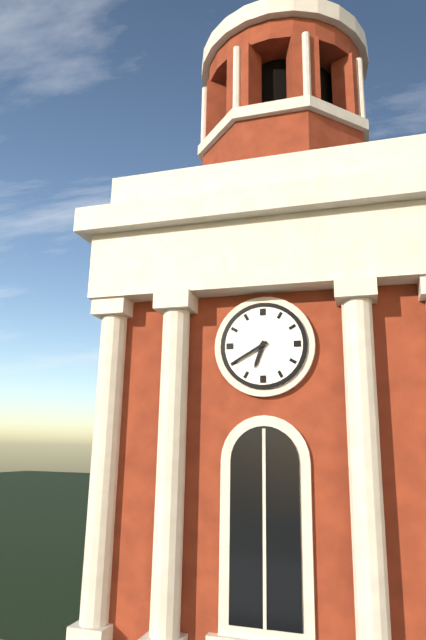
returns 6:40
